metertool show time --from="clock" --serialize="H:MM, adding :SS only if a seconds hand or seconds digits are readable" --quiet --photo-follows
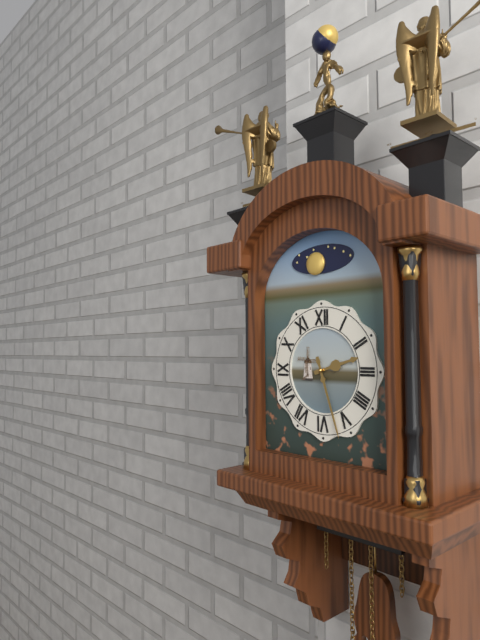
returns 2:27
